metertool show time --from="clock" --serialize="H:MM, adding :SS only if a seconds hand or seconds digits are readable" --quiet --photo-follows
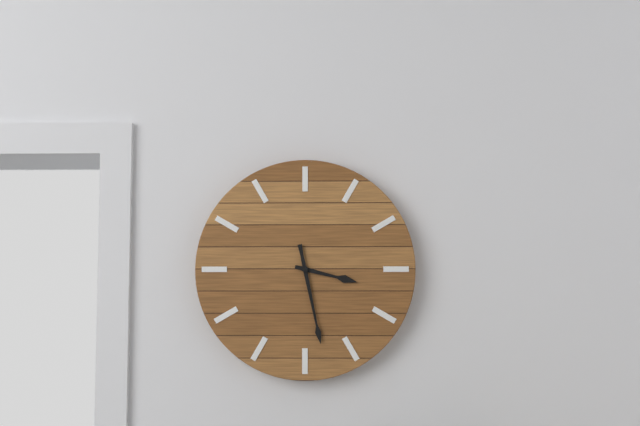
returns 3:28
